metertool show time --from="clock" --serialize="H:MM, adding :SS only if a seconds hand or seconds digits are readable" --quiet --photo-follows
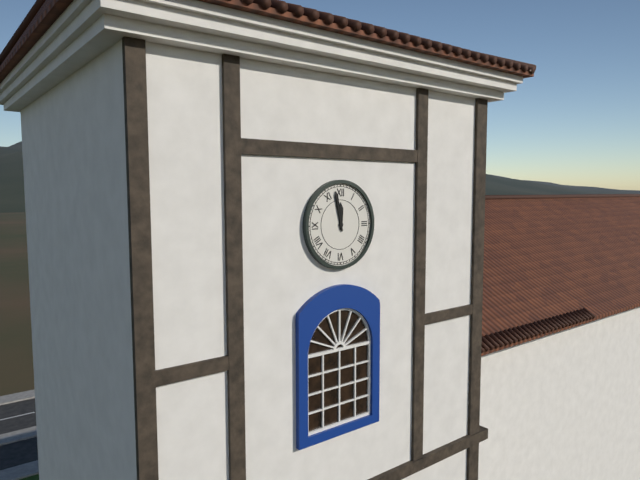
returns 11:58
